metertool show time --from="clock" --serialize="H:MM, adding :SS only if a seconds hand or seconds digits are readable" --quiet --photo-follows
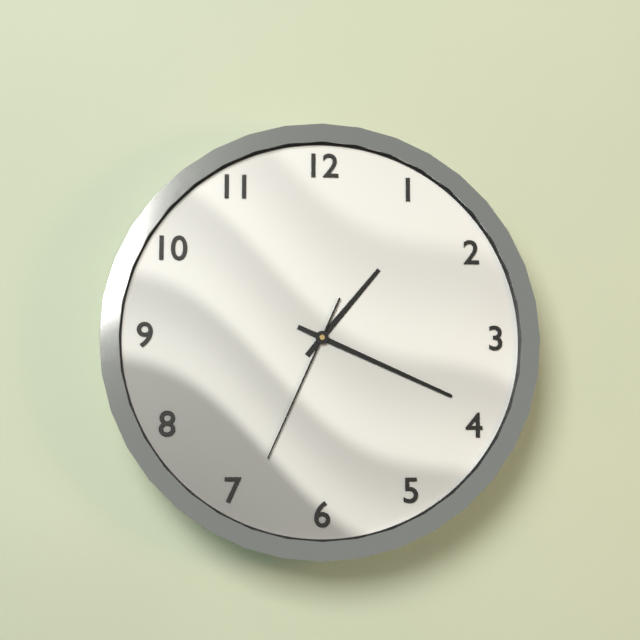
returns 1:19:34
